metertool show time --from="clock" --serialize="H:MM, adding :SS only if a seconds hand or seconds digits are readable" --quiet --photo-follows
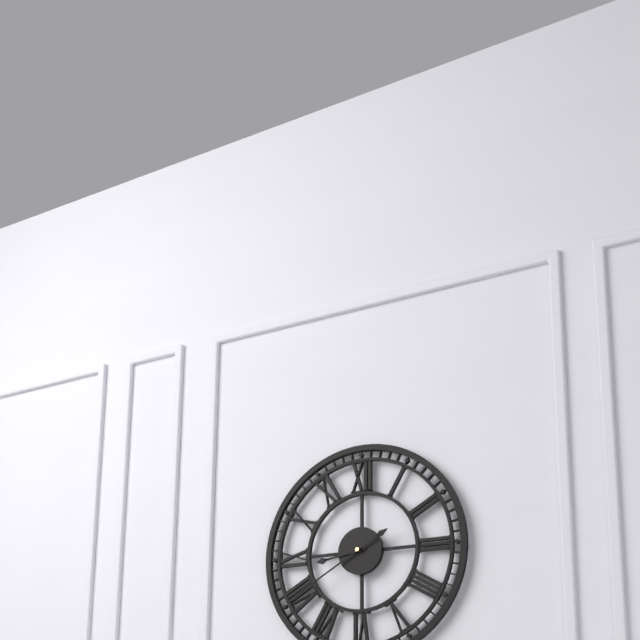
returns 8:40
